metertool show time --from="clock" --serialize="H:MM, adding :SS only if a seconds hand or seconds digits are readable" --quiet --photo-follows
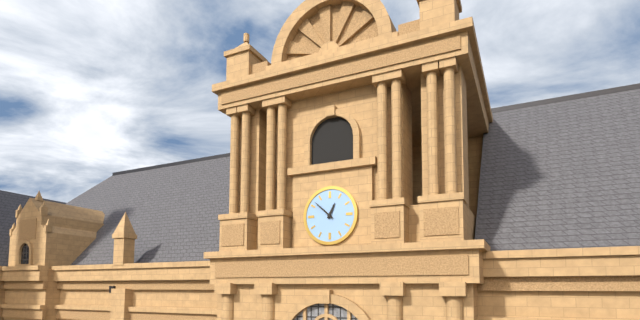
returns 12:52
